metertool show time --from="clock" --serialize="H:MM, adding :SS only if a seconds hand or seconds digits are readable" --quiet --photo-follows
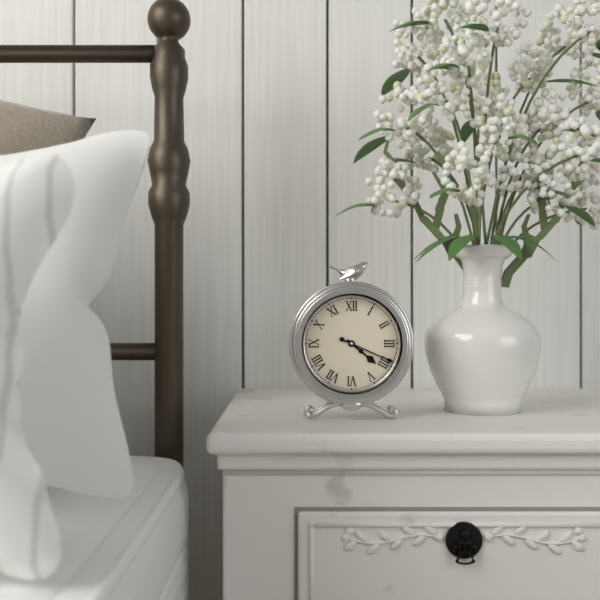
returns 4:19
